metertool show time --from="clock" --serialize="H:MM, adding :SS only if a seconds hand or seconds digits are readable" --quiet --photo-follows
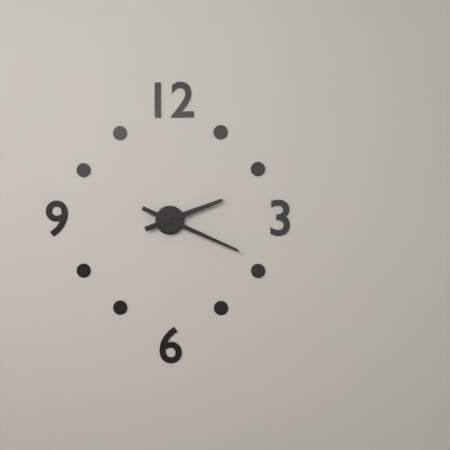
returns 2:19
